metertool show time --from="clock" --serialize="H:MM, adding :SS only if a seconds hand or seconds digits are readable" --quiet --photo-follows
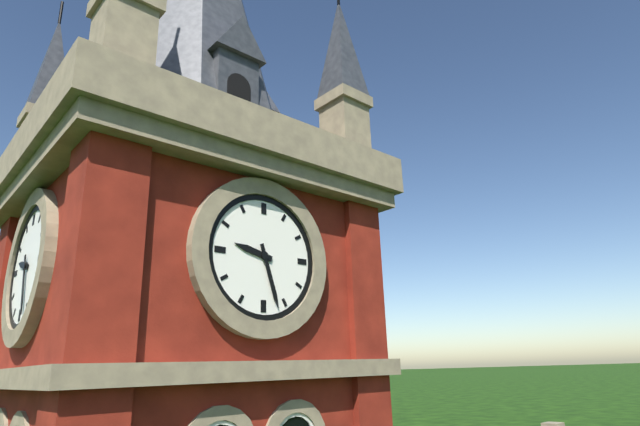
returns 9:27
